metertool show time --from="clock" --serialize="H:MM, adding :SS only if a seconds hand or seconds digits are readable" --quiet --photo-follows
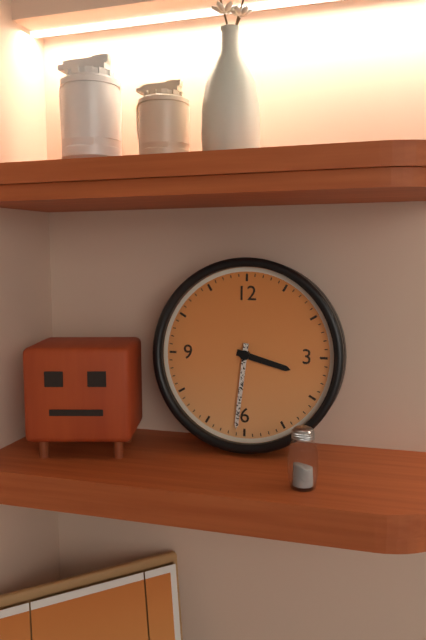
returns 3:31
